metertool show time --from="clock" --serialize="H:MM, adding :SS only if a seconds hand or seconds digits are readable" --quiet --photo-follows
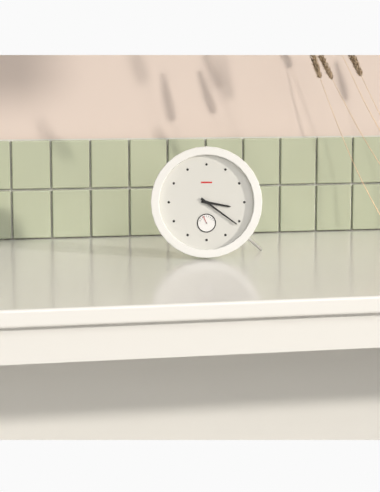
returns 3:21
